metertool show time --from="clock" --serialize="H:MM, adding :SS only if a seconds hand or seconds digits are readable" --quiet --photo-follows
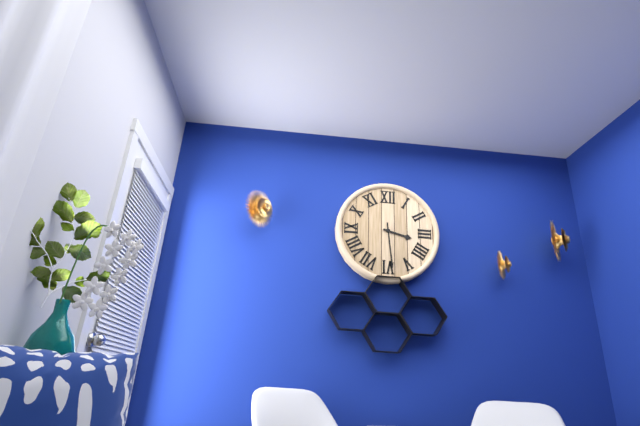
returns 3:29
